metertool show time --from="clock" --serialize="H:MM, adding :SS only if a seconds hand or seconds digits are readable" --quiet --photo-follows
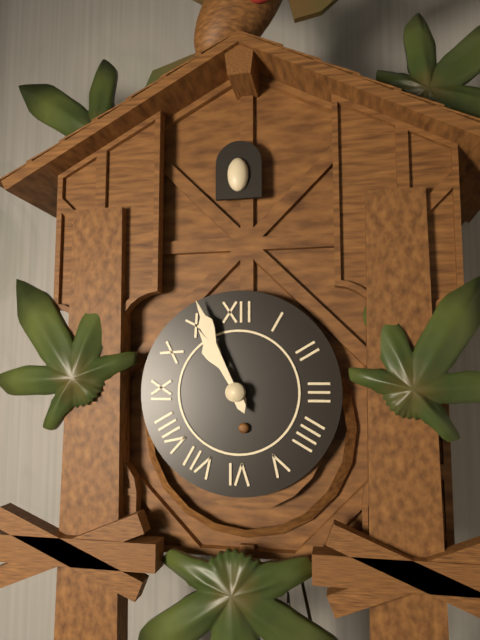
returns 10:56
